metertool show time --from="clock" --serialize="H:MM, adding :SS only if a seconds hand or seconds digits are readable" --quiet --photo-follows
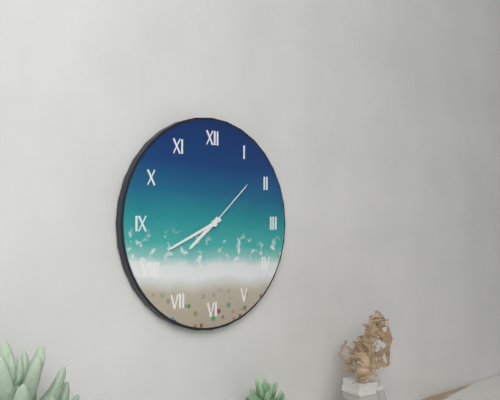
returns 7:41:08
